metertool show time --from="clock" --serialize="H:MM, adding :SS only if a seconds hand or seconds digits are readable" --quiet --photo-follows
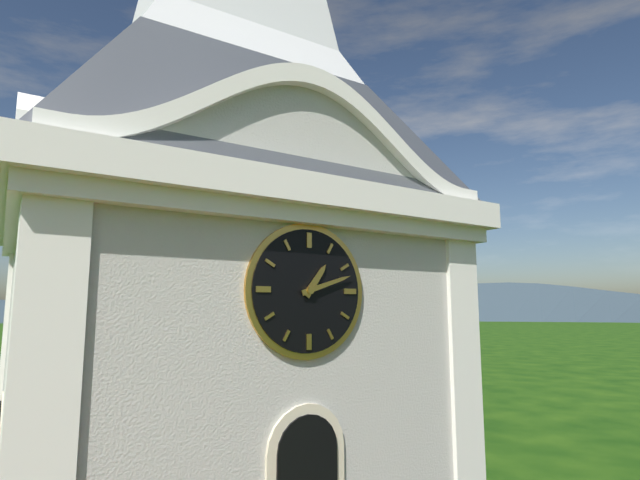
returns 1:12
